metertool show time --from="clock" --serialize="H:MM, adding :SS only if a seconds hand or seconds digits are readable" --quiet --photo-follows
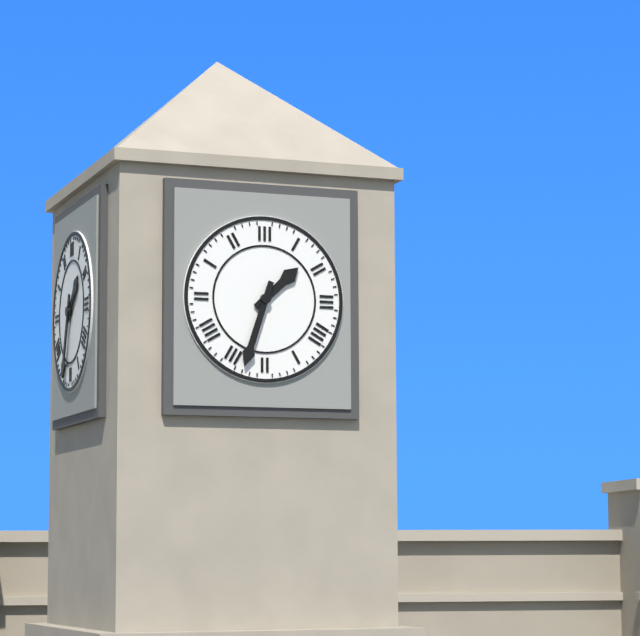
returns 1:33
